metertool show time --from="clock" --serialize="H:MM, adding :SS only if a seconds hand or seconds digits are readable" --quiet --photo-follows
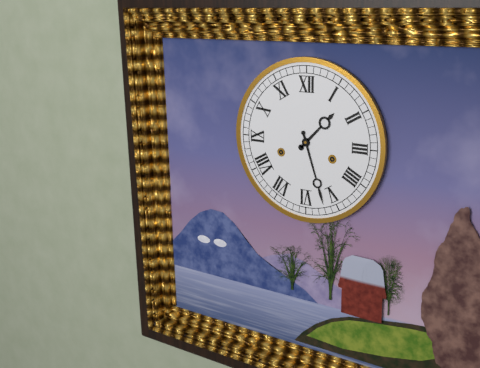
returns 1:27
